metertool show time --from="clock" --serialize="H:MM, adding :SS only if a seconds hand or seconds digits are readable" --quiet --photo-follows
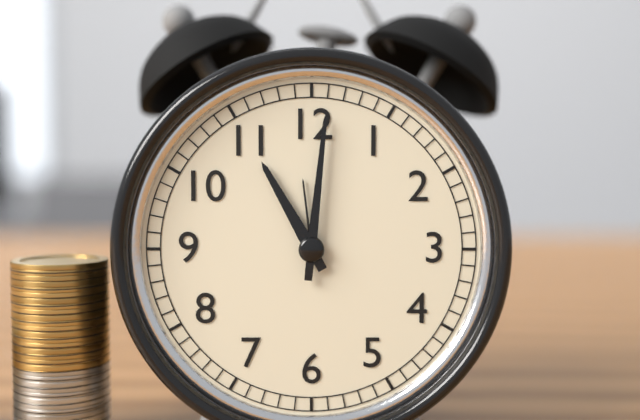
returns 11:01
